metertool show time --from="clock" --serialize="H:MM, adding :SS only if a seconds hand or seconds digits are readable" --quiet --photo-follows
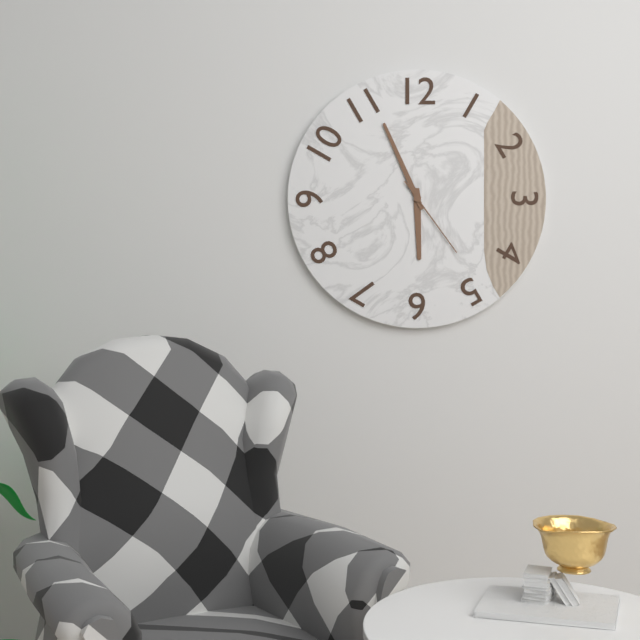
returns 5:56:24
